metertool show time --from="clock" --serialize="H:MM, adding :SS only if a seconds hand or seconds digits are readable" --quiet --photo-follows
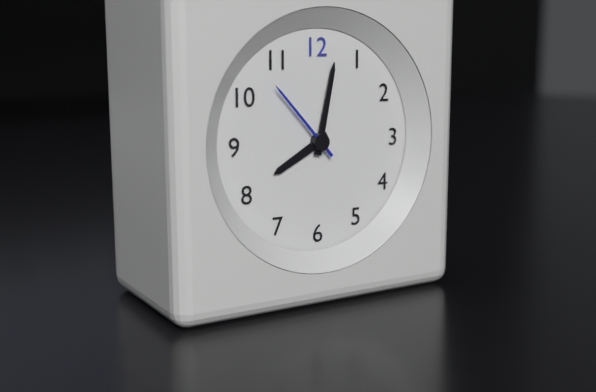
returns 8:02:53
